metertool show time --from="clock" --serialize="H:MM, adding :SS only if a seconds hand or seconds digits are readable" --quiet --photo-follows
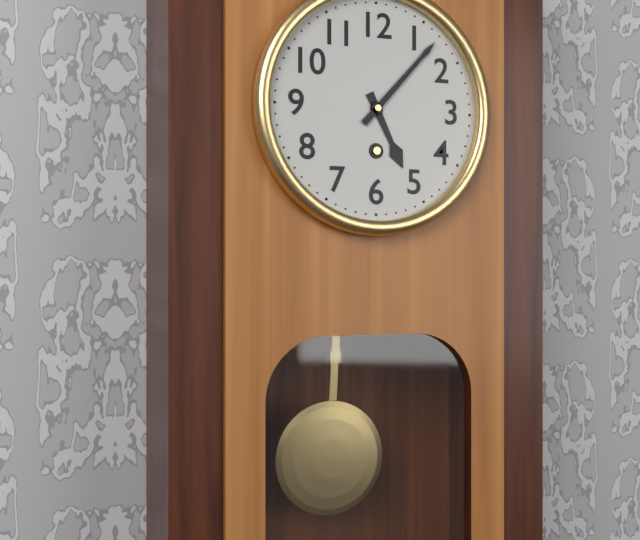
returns 5:07
